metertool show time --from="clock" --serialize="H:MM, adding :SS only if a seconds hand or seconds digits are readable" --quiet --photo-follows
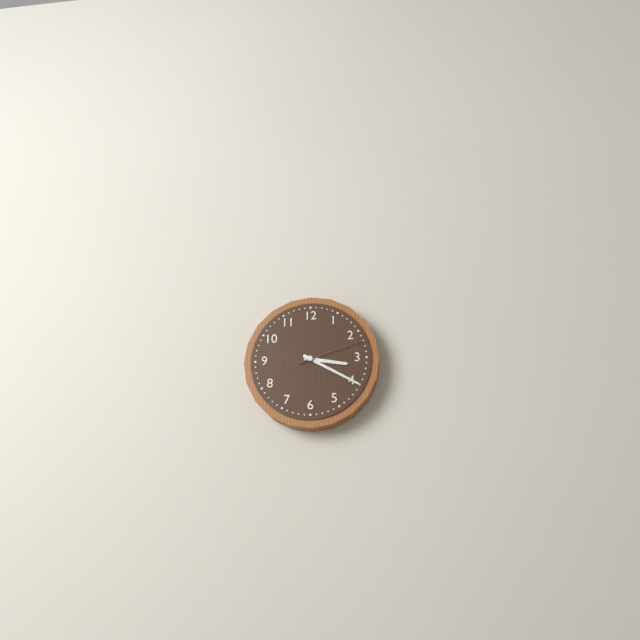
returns 3:20:12
